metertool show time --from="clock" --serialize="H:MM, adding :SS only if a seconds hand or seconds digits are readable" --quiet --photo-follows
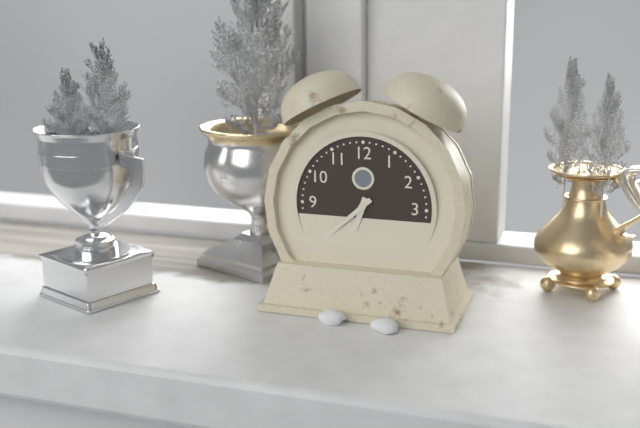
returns 6:38
